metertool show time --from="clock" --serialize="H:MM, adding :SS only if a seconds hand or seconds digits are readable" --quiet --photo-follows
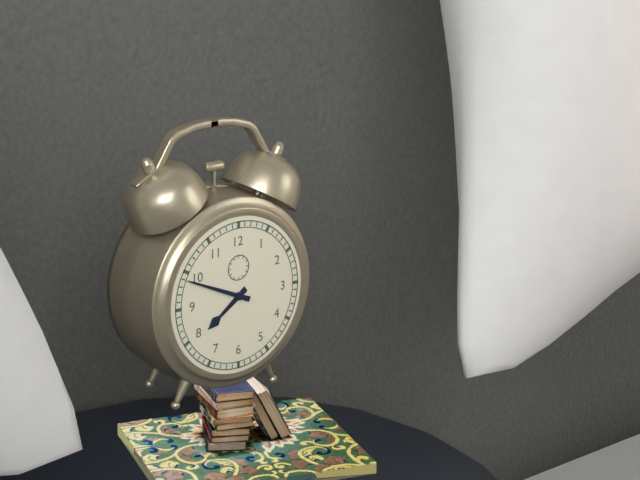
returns 7:49
